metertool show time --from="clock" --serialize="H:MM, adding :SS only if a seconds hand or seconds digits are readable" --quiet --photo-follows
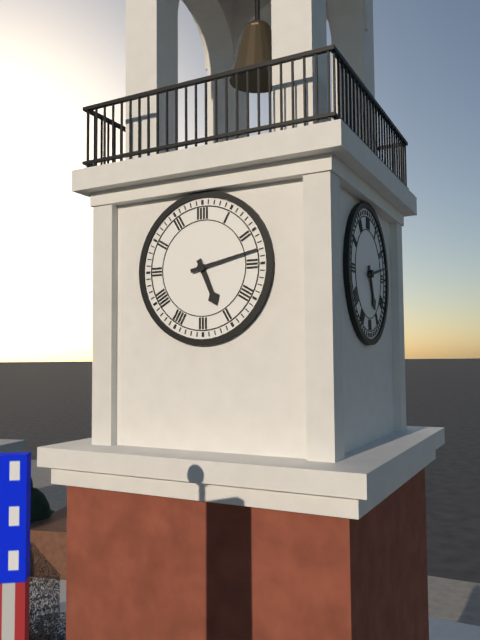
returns 5:13
